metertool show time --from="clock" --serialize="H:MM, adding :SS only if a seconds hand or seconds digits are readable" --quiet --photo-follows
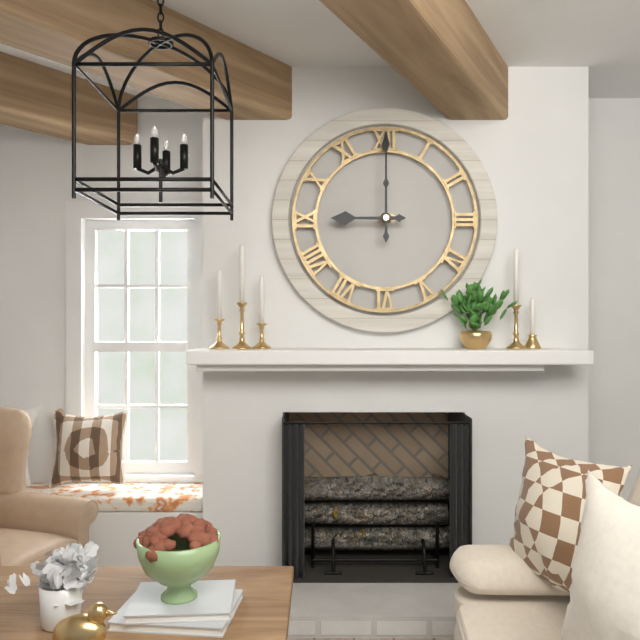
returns 9:00
